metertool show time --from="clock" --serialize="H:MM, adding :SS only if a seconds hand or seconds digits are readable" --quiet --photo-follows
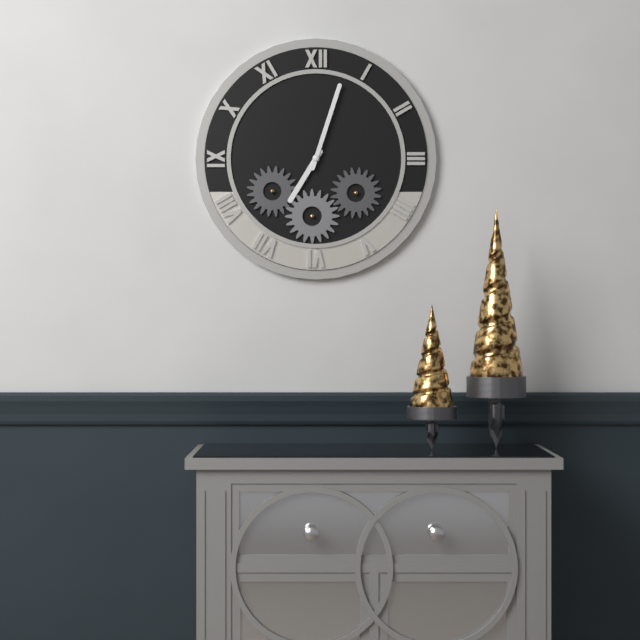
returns 7:03
